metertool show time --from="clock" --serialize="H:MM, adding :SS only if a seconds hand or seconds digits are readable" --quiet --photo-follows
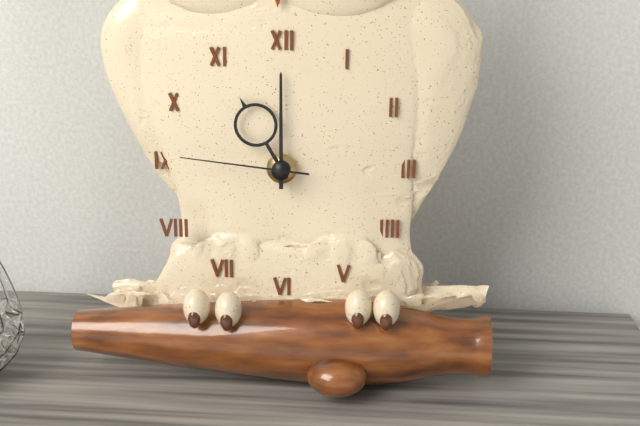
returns 11:00:46
